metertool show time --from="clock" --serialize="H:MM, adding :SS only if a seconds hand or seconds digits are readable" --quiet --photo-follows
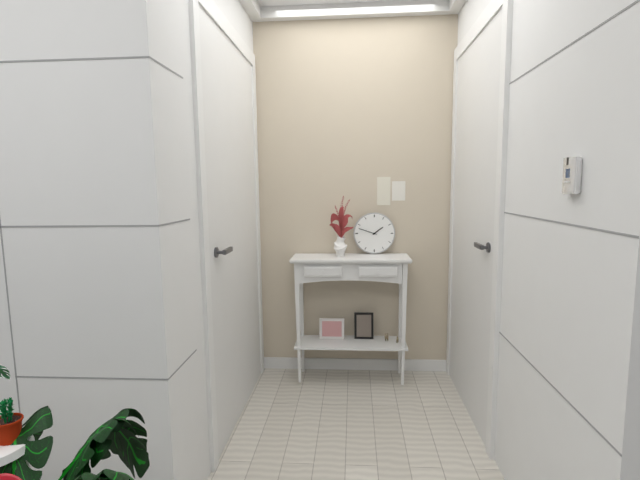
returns 1:48
